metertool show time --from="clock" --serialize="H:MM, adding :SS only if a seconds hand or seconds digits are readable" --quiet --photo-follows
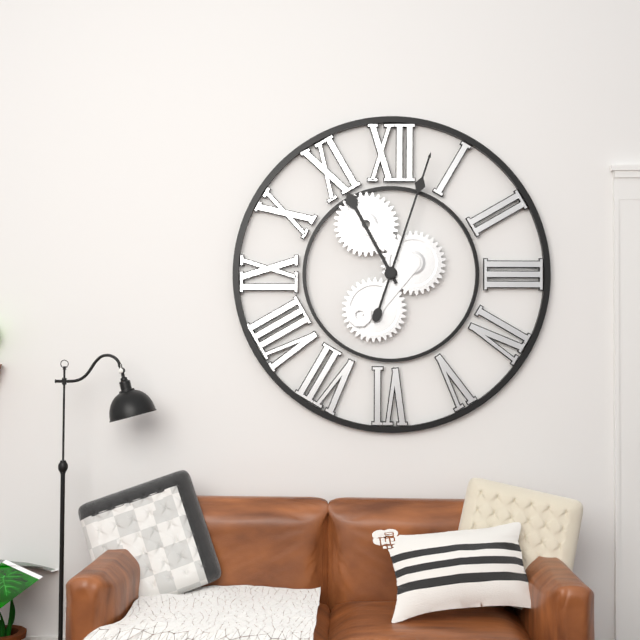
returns 11:03
